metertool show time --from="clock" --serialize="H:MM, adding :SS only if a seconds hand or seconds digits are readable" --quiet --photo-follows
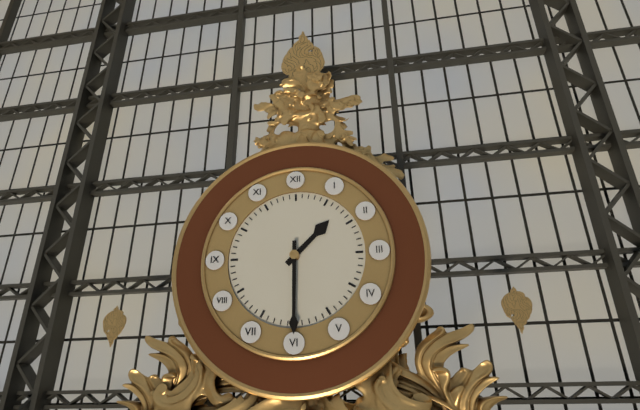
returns 1:30
